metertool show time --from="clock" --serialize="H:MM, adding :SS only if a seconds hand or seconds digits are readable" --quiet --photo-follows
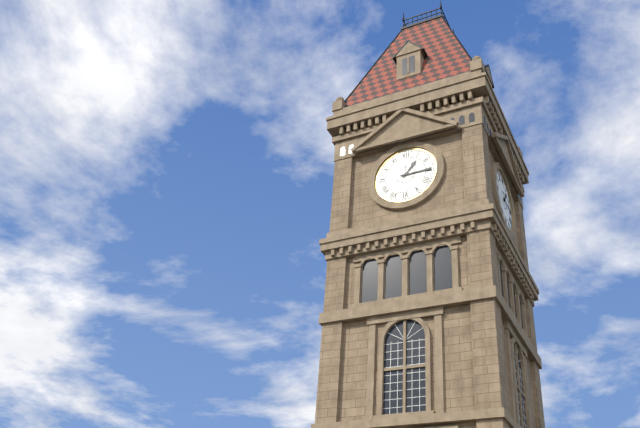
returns 1:15
